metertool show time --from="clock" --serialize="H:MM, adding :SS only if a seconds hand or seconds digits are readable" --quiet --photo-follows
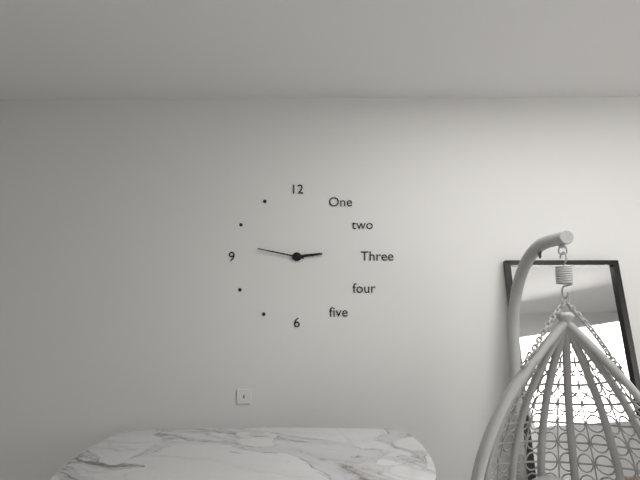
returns 2:47
